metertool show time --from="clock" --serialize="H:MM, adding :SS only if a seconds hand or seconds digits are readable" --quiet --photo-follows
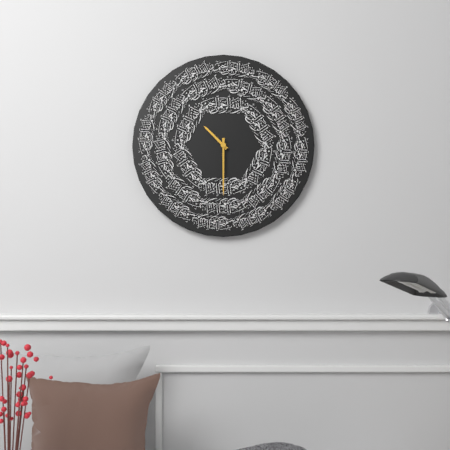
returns 10:30
